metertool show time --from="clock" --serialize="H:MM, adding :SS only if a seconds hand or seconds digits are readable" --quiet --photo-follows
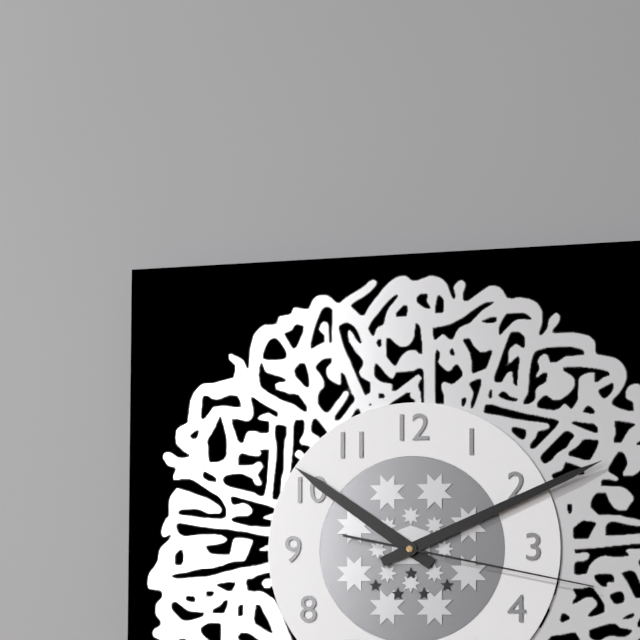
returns 10:11:17
